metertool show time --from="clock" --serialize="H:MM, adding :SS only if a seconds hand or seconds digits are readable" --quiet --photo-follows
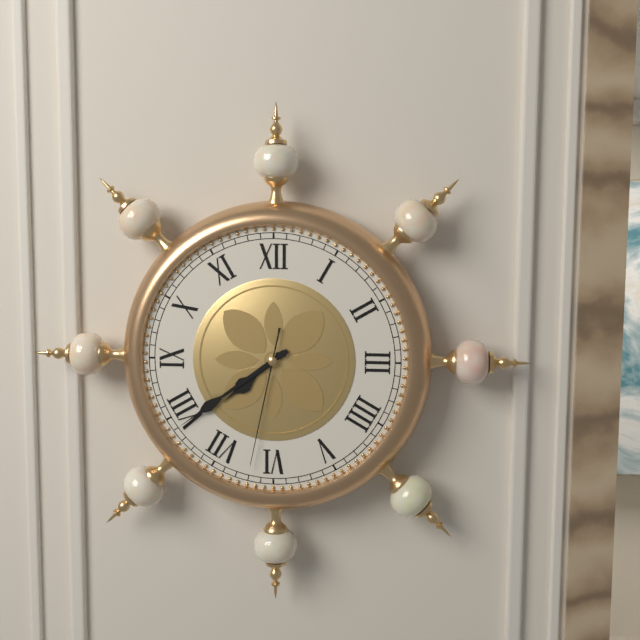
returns 7:39:32
